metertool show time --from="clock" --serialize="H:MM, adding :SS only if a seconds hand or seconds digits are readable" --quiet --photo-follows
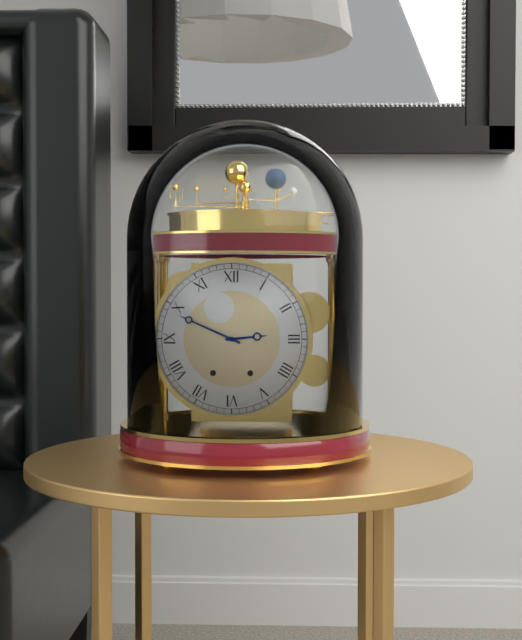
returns 2:49
